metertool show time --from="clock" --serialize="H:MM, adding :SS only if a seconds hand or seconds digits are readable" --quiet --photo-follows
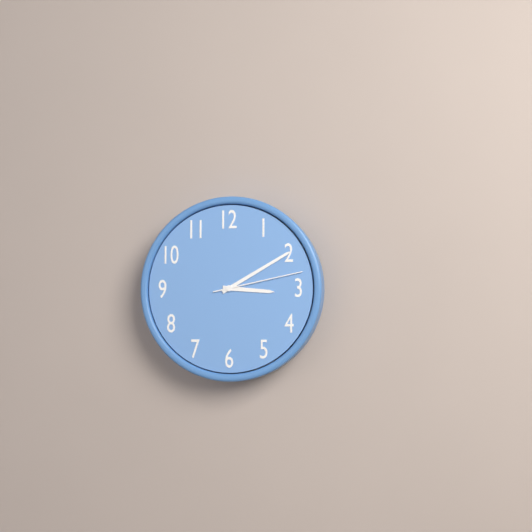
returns 3:10:13
